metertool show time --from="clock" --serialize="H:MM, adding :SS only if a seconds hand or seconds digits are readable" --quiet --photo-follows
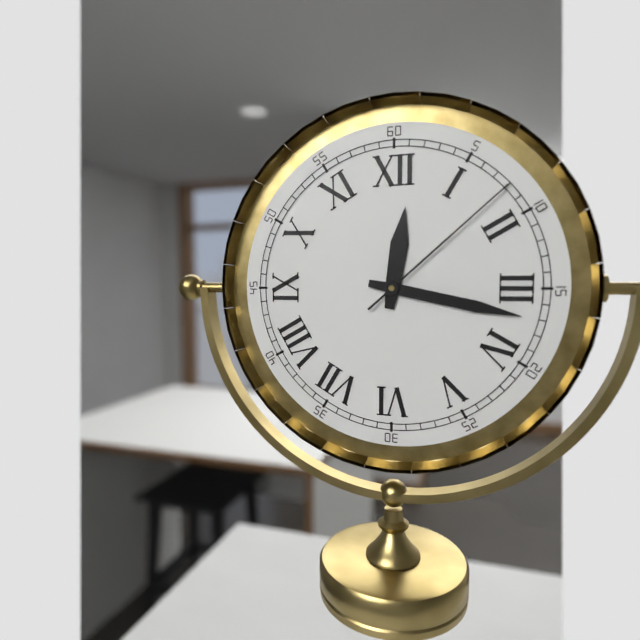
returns 12:17:08
